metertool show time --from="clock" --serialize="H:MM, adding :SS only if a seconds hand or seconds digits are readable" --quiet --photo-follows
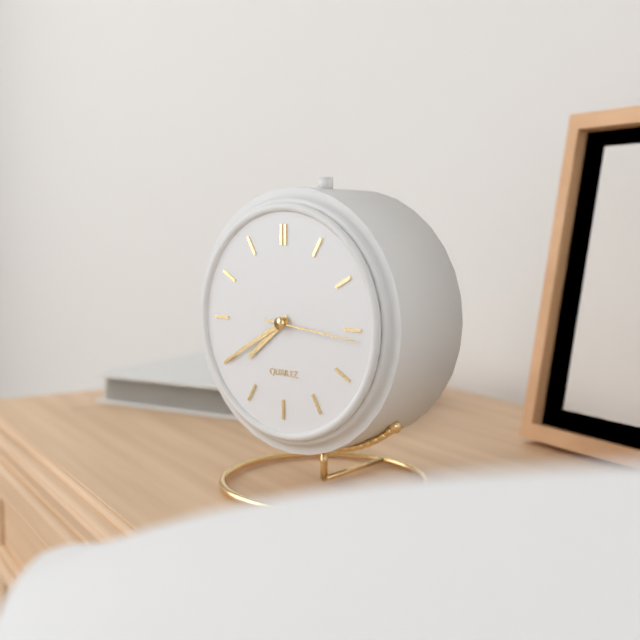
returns 7:40:16
